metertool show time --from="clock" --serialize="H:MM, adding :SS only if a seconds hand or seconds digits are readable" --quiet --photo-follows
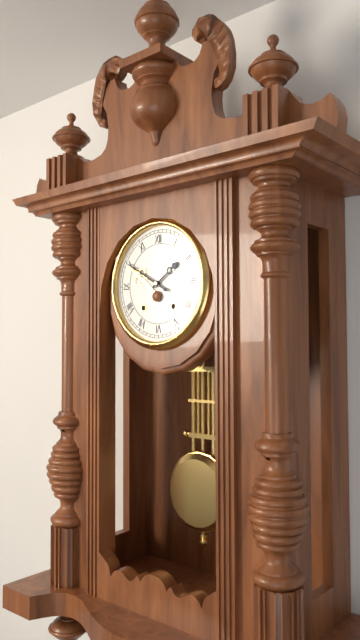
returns 1:50
